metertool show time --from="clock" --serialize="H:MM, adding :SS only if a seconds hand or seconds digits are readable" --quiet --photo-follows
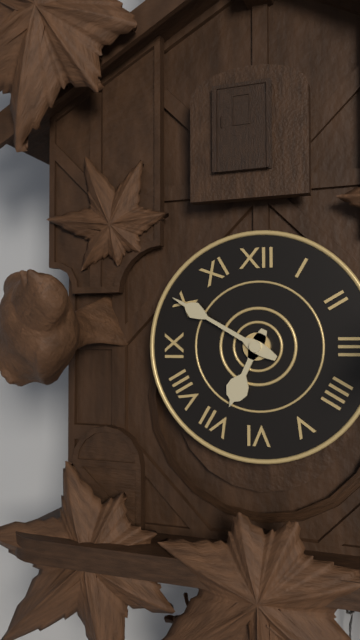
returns 6:50
